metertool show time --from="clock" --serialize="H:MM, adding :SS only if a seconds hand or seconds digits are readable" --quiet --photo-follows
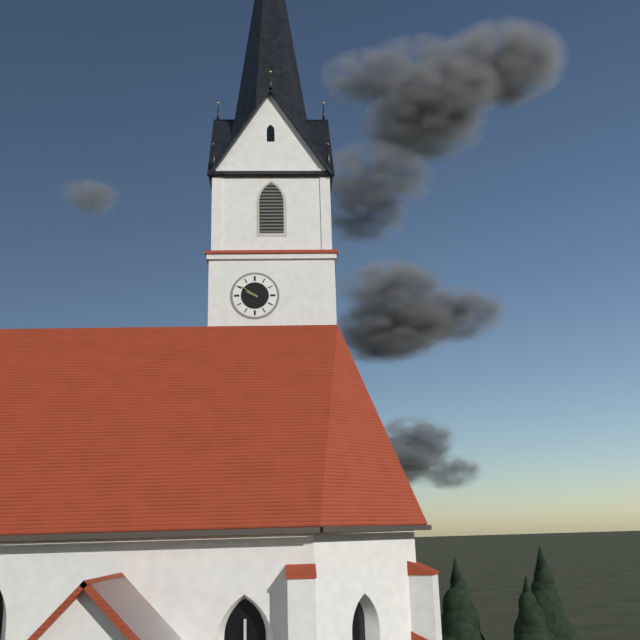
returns 9:51
